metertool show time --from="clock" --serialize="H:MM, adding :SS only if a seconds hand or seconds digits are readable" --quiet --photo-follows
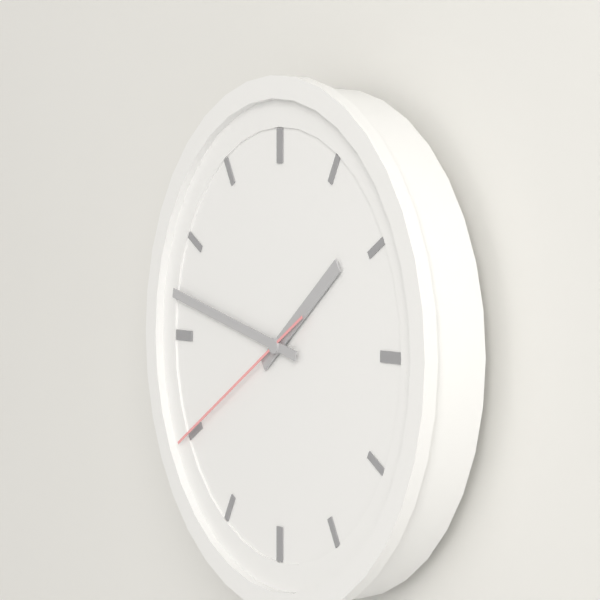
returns 1:47:40
